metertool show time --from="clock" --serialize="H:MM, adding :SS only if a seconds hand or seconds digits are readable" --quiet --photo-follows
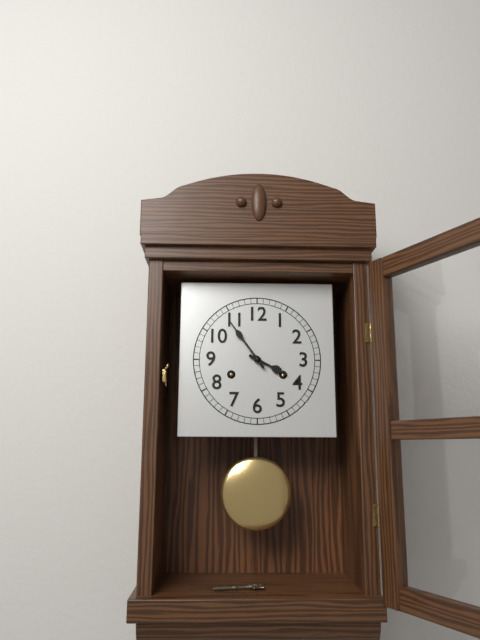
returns 3:54
